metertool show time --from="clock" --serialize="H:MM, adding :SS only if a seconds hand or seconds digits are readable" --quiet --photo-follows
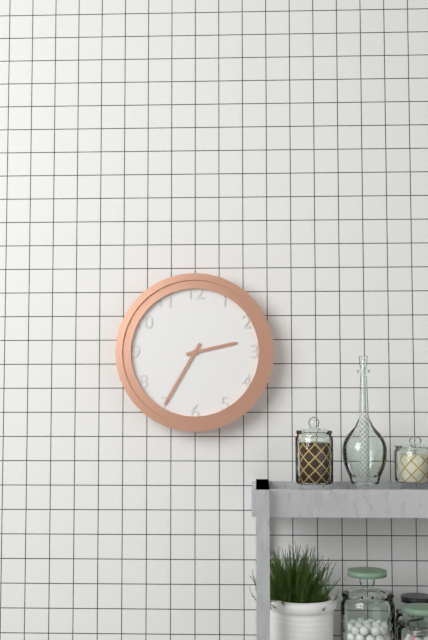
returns 2:35
